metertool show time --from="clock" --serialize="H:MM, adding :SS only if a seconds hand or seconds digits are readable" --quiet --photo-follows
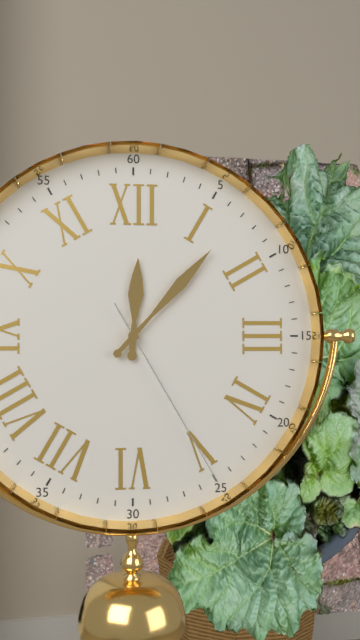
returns 12:07:25
